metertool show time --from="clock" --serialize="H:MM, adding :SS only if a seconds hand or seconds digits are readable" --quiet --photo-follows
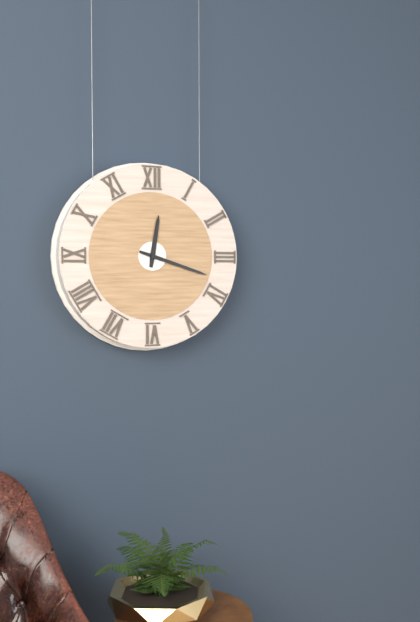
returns 12:18
